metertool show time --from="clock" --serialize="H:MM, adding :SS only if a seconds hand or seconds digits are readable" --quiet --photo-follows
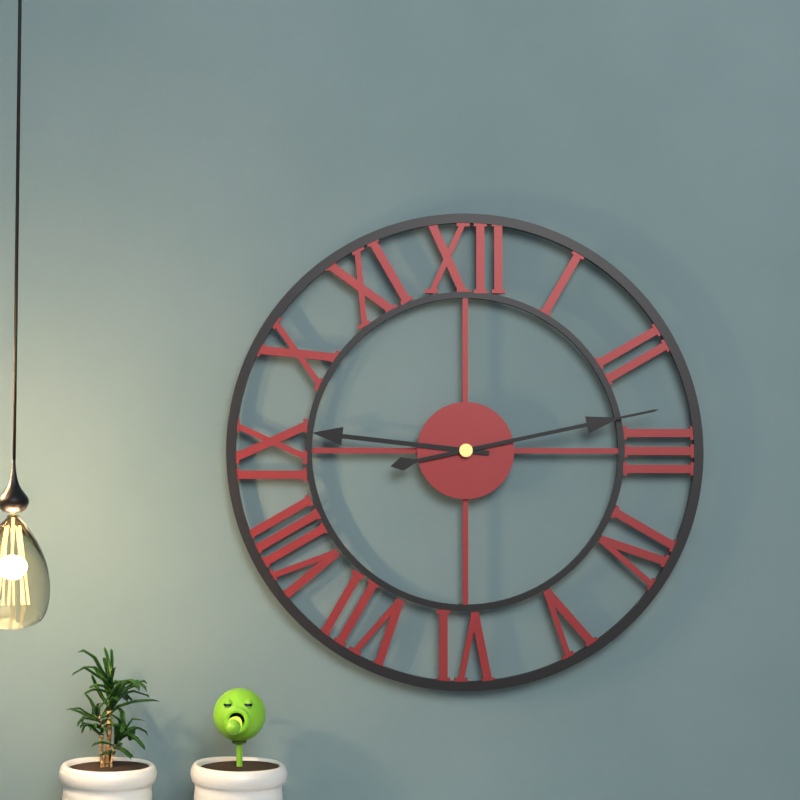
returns 9:13
